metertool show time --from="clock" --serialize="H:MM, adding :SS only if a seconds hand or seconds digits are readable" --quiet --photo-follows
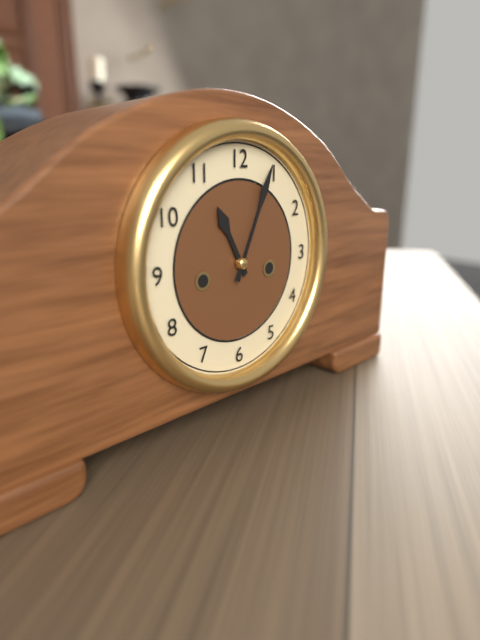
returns 11:04
